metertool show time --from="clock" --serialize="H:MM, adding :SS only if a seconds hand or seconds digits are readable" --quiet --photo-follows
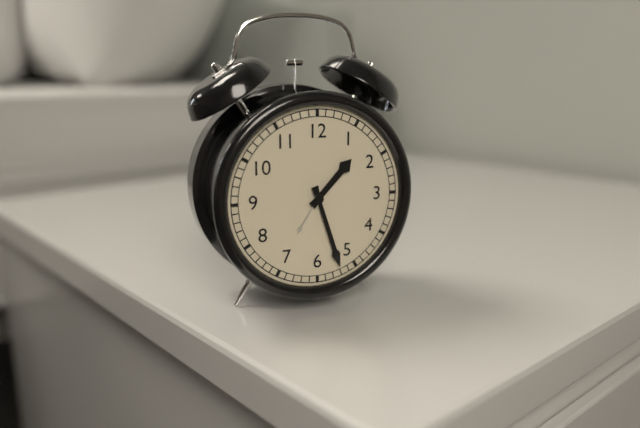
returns 1:27
